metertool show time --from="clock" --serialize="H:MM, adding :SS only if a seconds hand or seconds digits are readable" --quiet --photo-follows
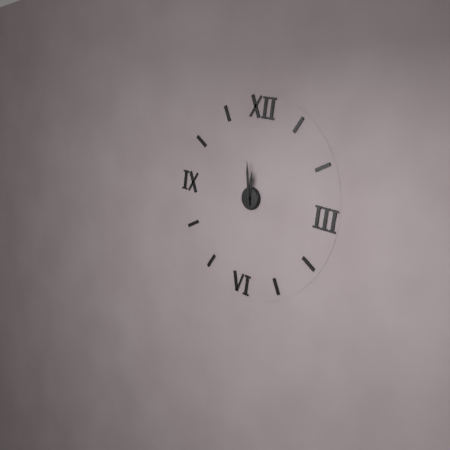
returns 11:58
